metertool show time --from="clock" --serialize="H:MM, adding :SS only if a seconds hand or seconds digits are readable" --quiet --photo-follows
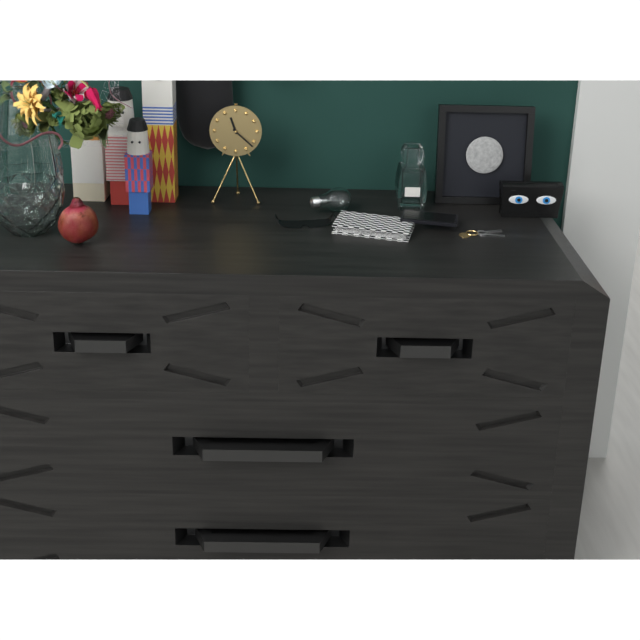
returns 11:22
